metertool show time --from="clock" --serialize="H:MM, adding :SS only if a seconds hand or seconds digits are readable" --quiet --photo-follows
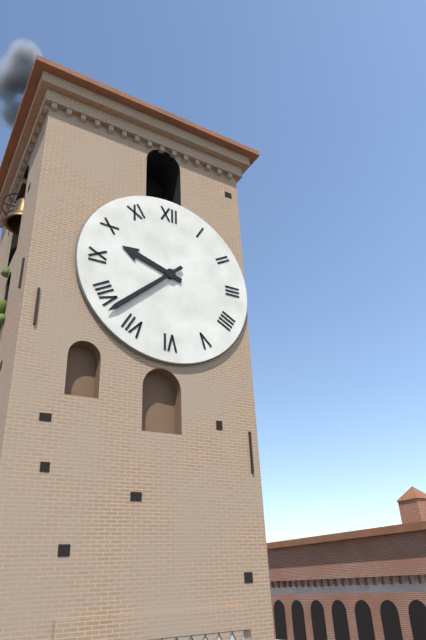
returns 9:38
